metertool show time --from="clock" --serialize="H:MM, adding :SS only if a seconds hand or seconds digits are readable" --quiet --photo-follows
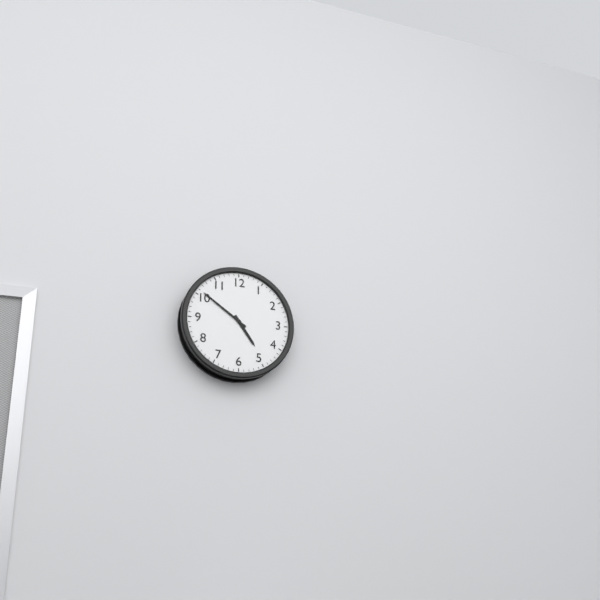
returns 4:51
